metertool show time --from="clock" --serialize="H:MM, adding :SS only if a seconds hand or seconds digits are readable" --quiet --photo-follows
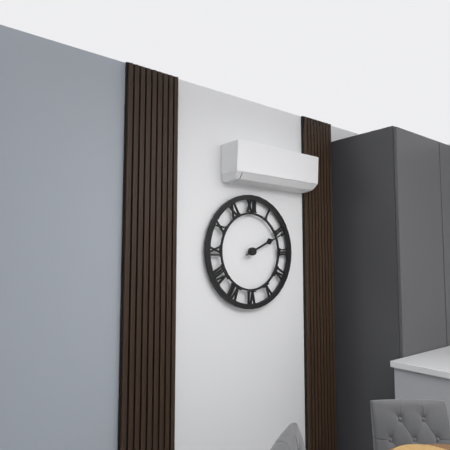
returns 2:11
